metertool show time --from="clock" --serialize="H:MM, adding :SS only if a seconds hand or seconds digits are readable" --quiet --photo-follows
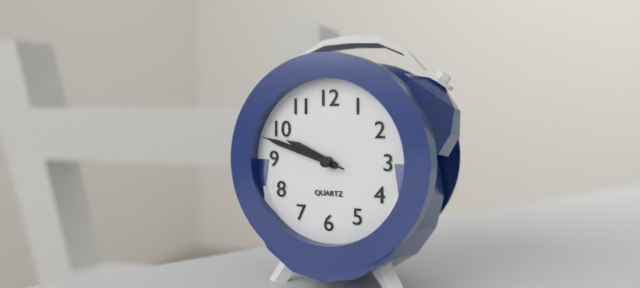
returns 9:48:48
